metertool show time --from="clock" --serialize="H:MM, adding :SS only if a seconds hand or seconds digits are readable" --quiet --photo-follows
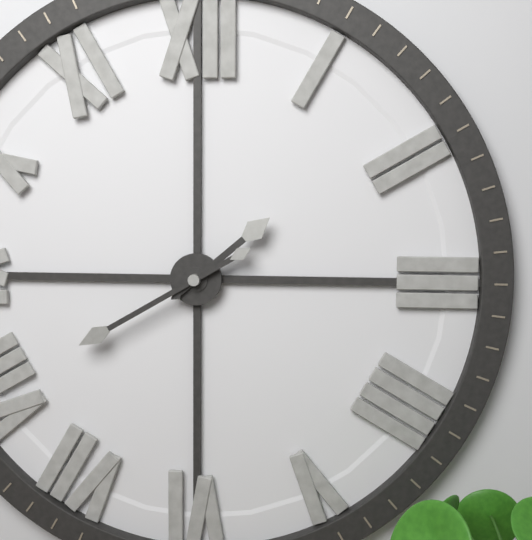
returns 1:40
